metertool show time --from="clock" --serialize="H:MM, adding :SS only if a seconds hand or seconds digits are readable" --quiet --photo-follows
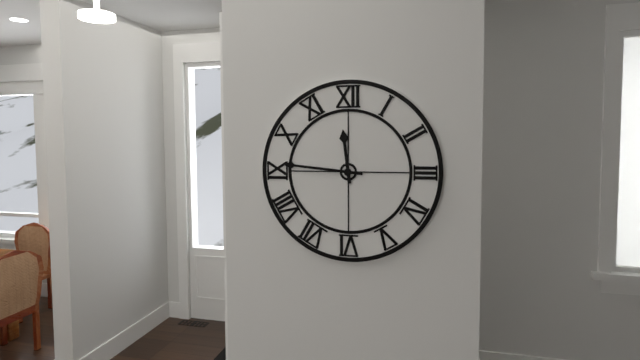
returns 11:46
